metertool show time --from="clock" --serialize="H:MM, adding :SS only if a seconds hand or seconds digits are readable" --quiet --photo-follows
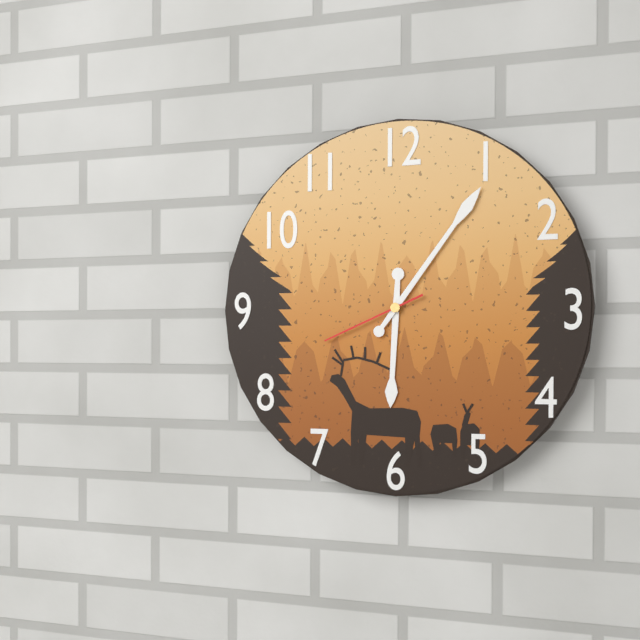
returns 6:06:41
